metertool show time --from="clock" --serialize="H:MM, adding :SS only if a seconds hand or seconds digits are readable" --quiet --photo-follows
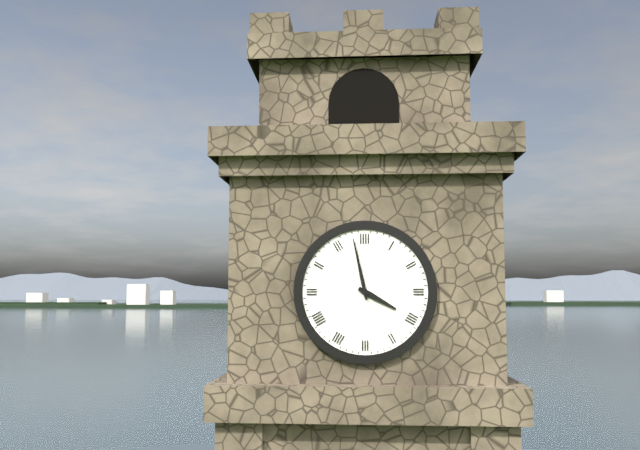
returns 3:58
